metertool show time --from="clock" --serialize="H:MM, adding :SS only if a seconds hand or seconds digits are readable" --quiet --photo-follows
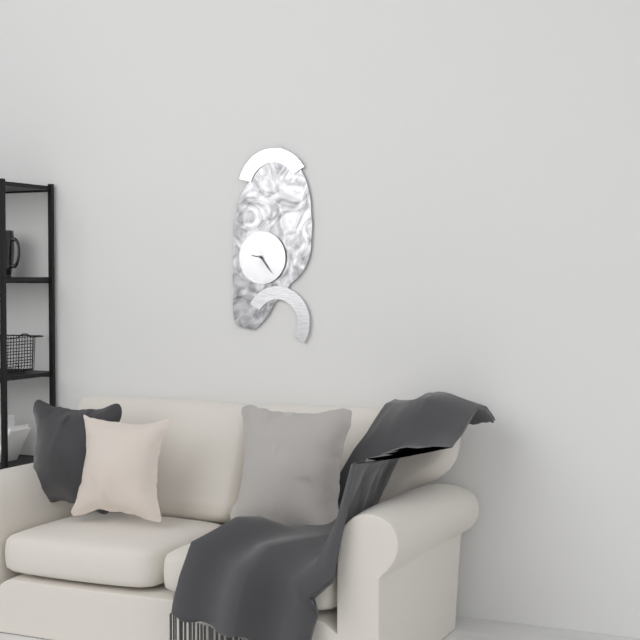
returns 9:24
